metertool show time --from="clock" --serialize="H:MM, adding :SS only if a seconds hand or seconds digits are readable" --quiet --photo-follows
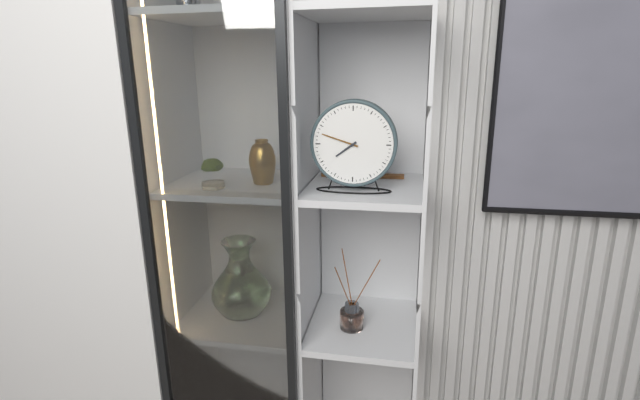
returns 7:48
